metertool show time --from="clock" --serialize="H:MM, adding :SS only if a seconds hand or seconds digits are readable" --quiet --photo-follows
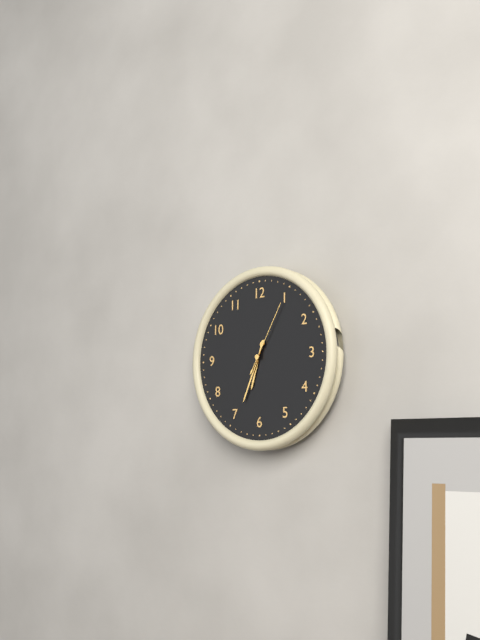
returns 6:34:05
